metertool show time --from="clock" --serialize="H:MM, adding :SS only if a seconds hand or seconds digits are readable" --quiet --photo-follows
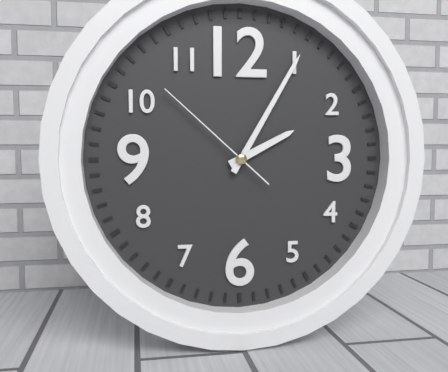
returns 2:05:52
